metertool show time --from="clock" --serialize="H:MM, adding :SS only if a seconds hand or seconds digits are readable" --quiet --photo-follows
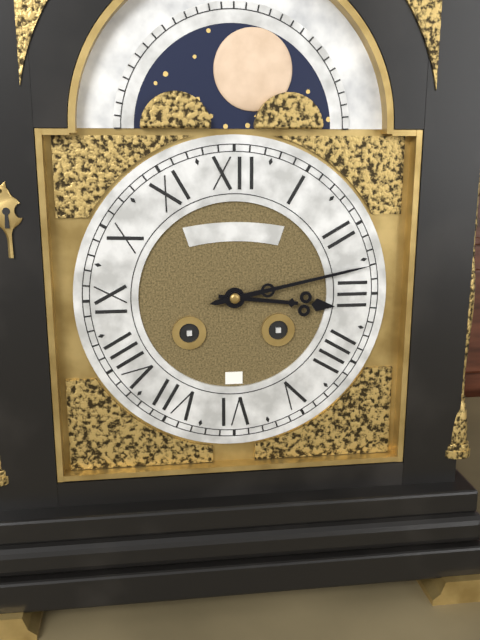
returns 3:13
